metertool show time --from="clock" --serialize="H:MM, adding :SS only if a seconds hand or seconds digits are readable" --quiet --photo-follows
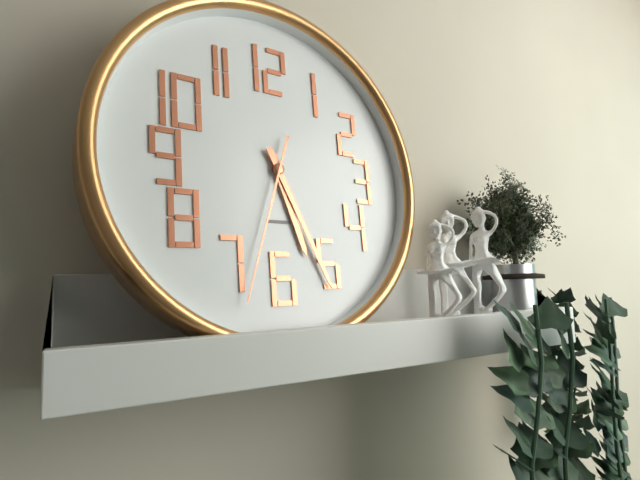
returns 5:26:33
